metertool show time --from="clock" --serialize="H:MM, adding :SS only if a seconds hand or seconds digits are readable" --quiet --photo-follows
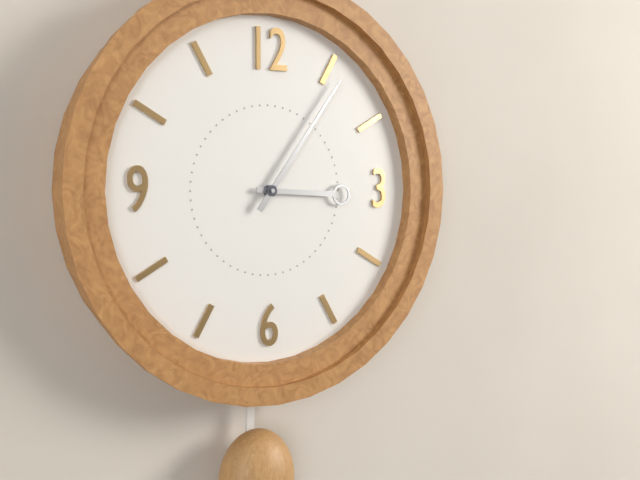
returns 3:06
